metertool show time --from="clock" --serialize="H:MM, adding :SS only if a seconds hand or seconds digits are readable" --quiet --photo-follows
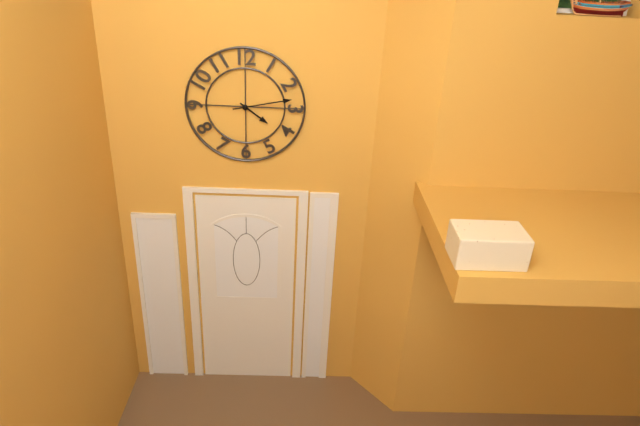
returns 4:13
